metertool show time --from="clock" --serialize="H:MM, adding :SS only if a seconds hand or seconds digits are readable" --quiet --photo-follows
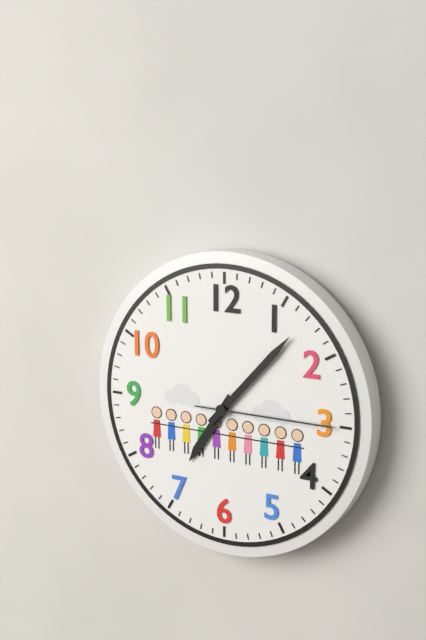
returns 7:07:15
